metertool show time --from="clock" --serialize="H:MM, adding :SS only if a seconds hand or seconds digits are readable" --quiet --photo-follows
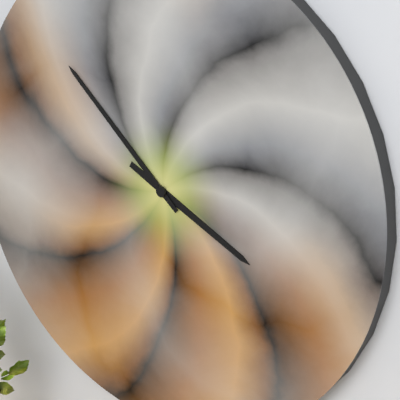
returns 3:52
